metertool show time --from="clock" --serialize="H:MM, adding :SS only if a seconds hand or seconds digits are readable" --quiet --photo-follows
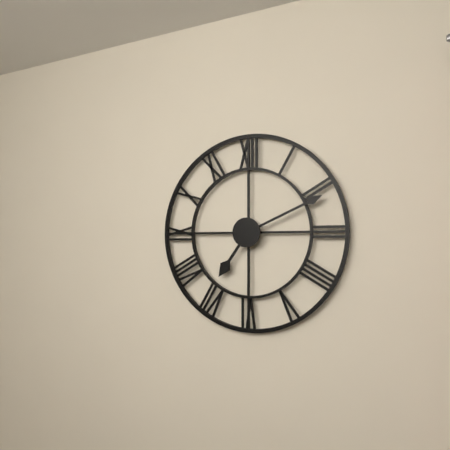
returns 7:11
